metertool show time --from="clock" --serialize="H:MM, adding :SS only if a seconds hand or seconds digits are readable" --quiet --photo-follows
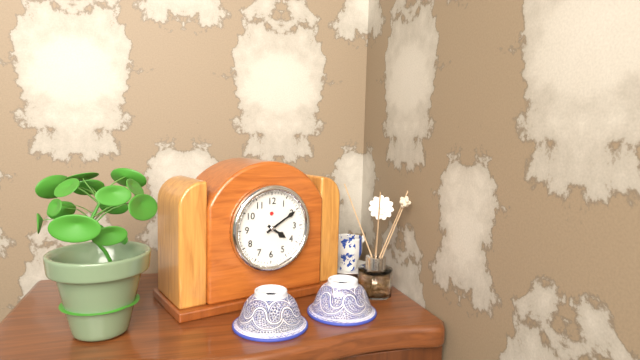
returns 4:10
